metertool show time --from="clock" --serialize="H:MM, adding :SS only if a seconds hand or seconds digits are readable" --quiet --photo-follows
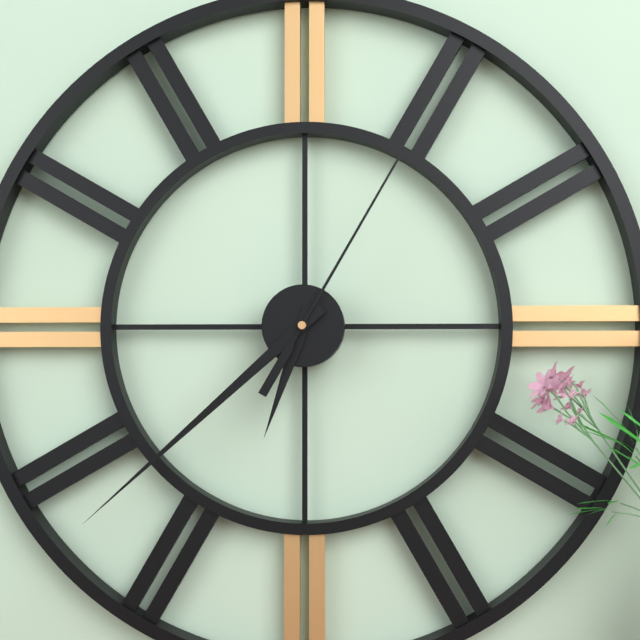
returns 6:38:05
